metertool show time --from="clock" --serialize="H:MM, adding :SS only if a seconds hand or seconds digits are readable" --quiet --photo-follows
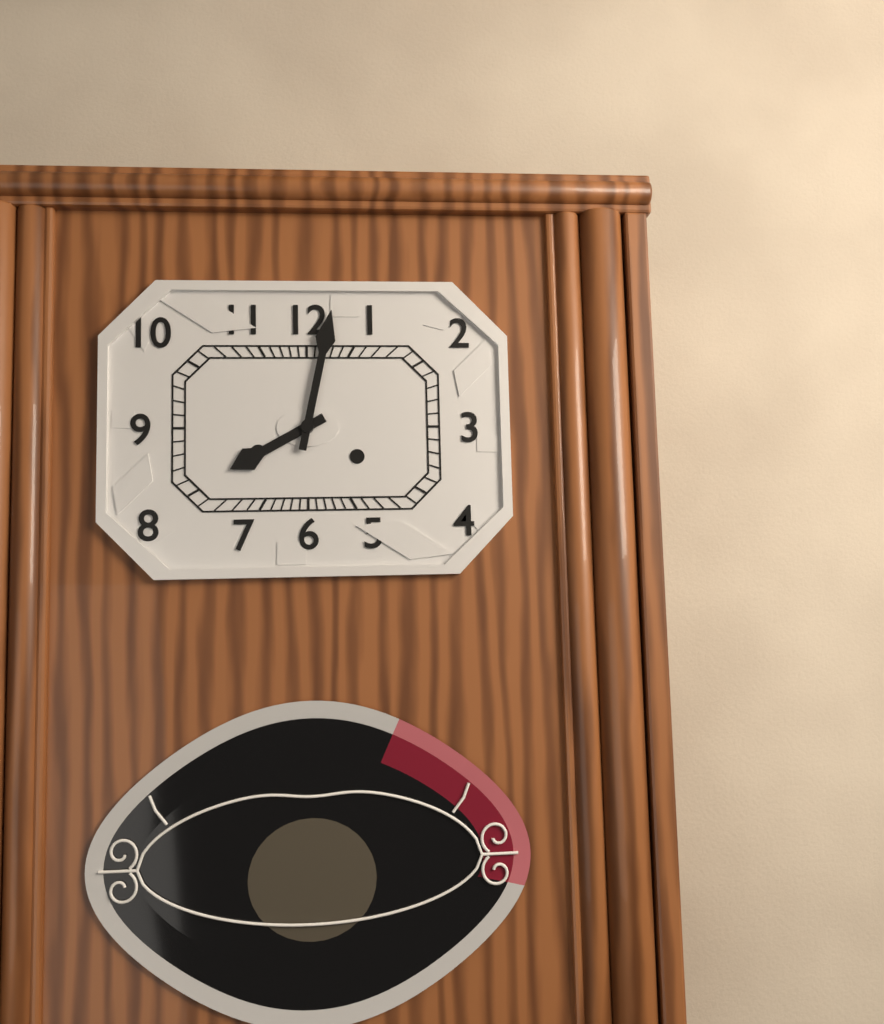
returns 8:02
